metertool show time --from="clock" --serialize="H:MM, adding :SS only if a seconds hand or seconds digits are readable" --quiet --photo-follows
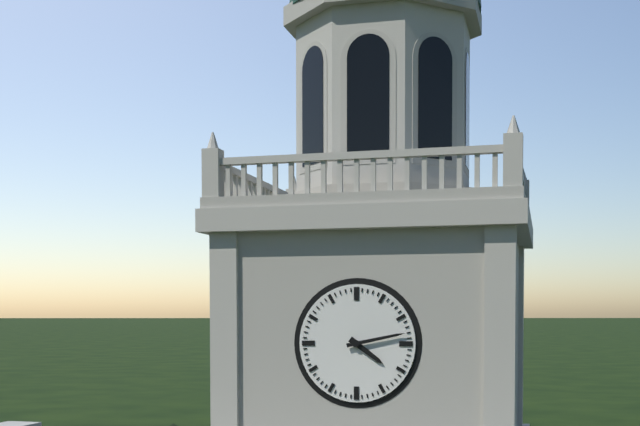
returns 4:13
